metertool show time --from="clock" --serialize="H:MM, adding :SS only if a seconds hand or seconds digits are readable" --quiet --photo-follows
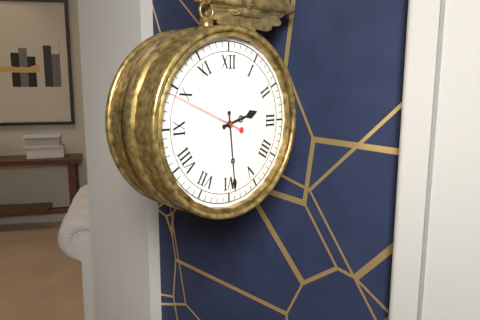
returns 2:29:49
